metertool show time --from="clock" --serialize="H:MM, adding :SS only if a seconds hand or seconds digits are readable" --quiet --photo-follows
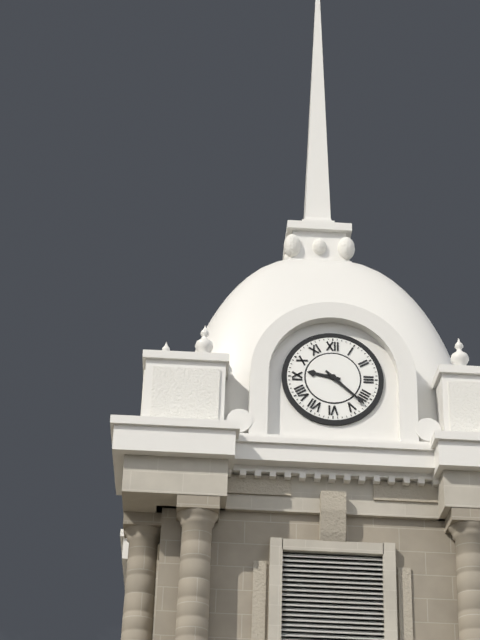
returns 9:22
